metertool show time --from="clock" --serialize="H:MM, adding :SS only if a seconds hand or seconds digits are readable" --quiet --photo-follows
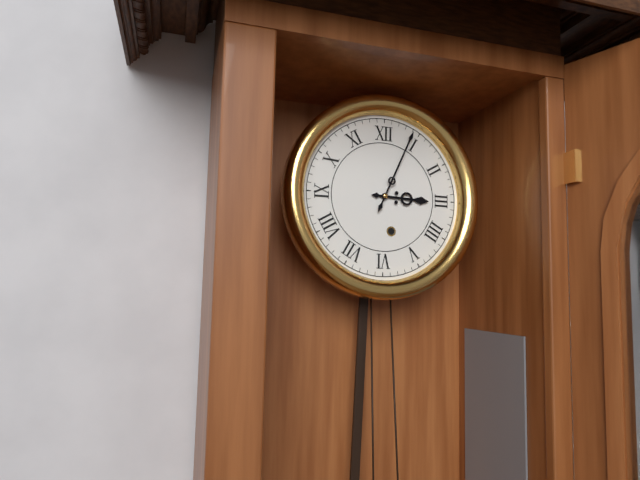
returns 3:04
